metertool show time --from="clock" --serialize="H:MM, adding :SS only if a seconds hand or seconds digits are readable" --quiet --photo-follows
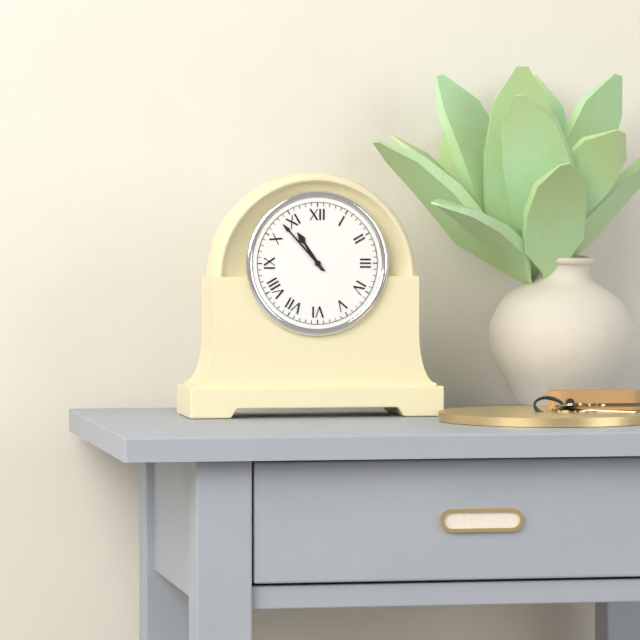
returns 10:53
